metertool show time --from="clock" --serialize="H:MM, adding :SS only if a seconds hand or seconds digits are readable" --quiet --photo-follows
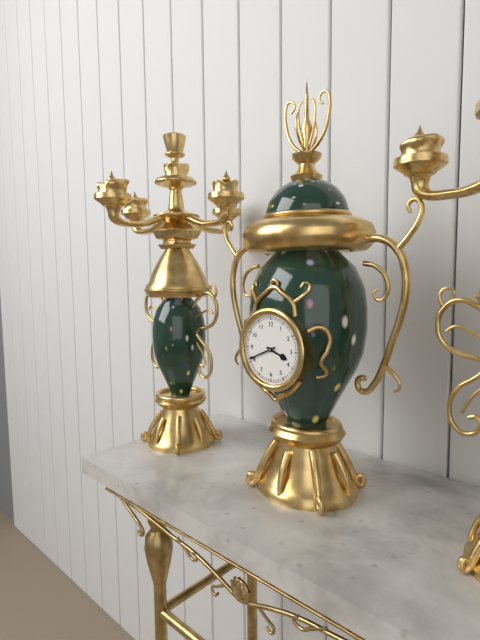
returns 3:41
